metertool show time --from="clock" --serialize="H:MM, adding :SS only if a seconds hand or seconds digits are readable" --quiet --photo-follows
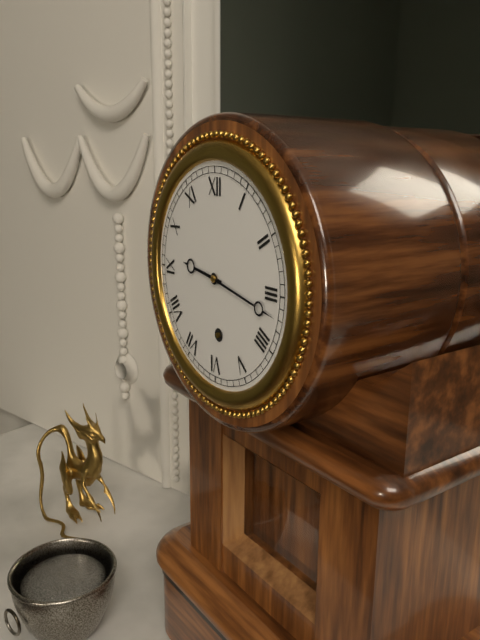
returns 9:17
